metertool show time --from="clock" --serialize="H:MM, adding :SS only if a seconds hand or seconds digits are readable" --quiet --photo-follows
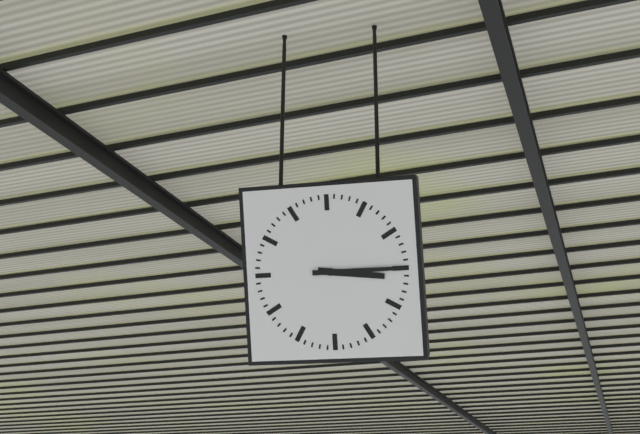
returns 3:15
